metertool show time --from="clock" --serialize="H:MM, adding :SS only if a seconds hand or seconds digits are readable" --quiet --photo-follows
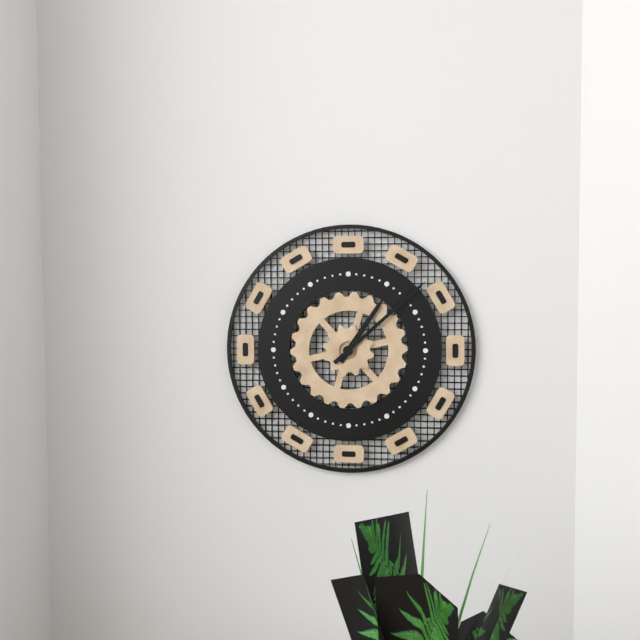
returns 1:08
